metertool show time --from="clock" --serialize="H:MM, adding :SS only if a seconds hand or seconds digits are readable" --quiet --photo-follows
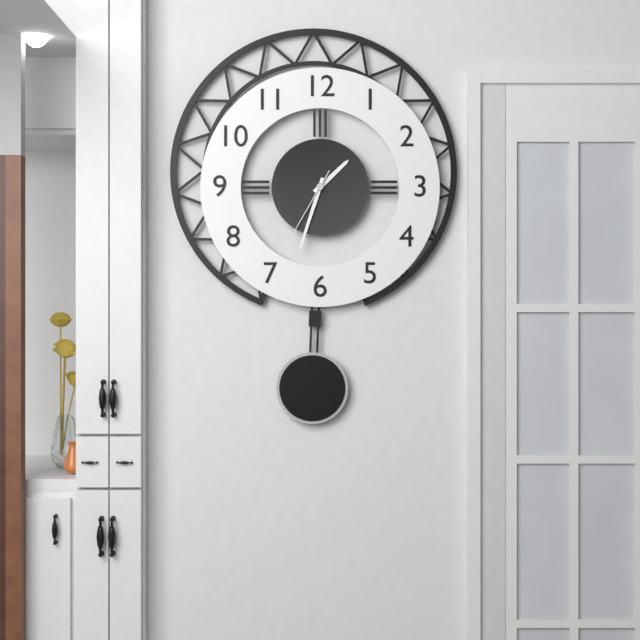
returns 1:33:35
